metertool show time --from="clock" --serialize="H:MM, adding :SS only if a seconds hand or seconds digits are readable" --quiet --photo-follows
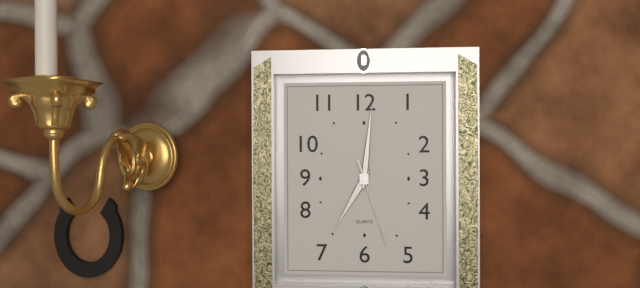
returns 7:01:27
